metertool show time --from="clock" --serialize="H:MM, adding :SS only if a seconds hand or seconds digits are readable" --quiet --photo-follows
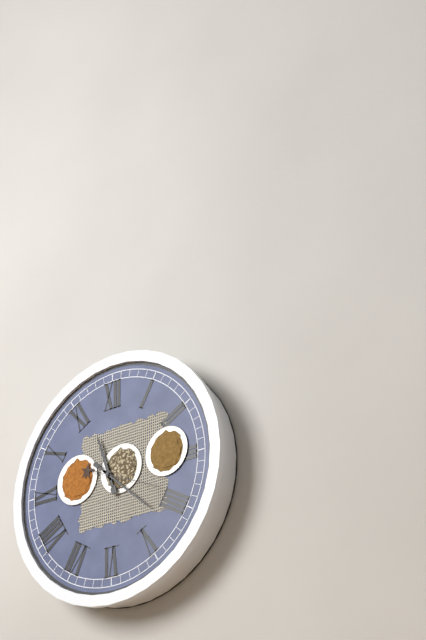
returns 11:22
